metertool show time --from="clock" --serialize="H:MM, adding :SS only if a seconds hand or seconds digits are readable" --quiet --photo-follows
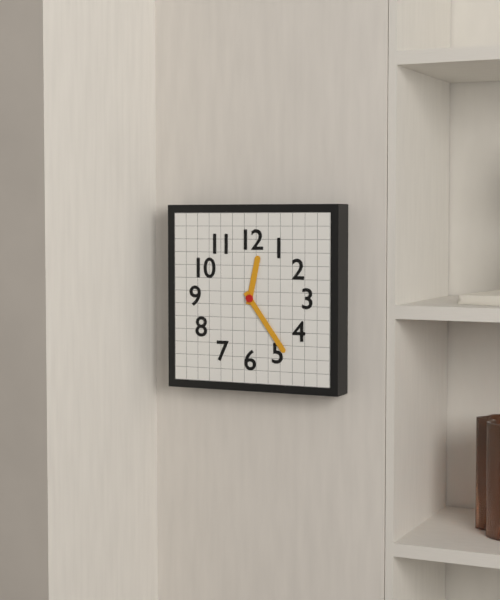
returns 12:24
